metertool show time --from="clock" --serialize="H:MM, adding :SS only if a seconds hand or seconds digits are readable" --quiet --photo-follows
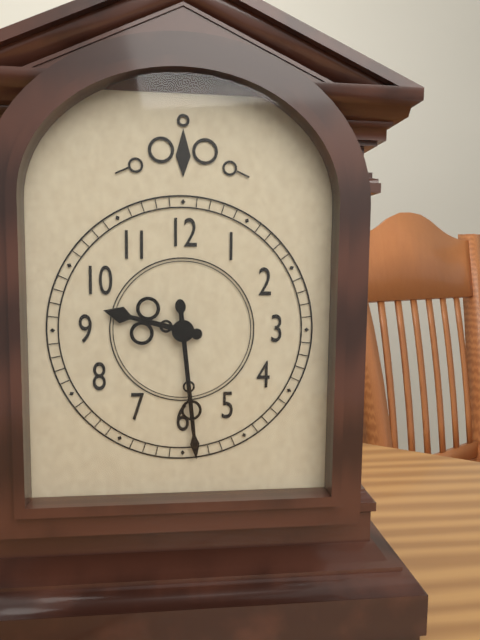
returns 9:29
